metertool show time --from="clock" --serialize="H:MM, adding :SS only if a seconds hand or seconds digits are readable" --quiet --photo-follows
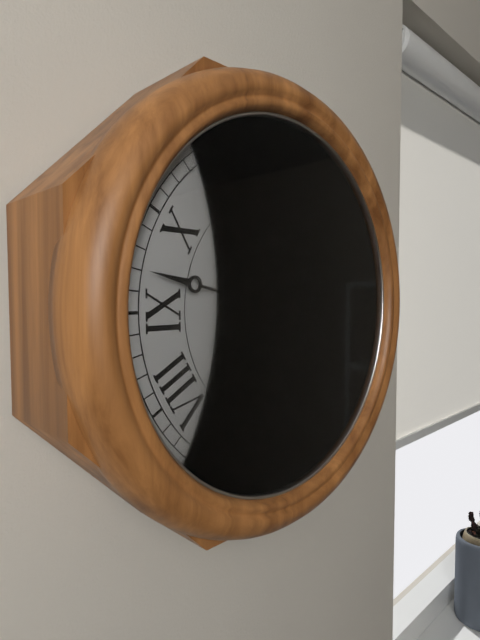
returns 1:47
